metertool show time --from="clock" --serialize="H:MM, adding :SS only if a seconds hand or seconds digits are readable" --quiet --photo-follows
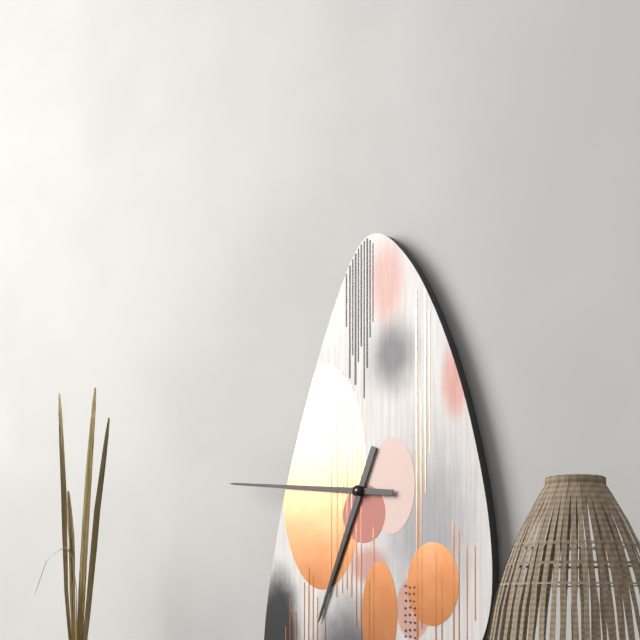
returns 6:46
